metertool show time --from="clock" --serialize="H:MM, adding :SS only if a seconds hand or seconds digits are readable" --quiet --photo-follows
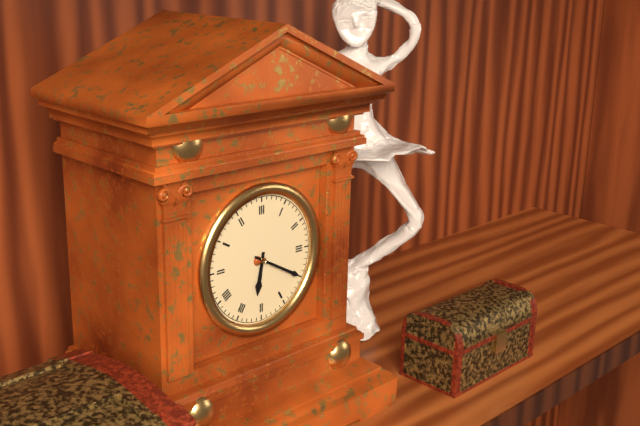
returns 6:20
